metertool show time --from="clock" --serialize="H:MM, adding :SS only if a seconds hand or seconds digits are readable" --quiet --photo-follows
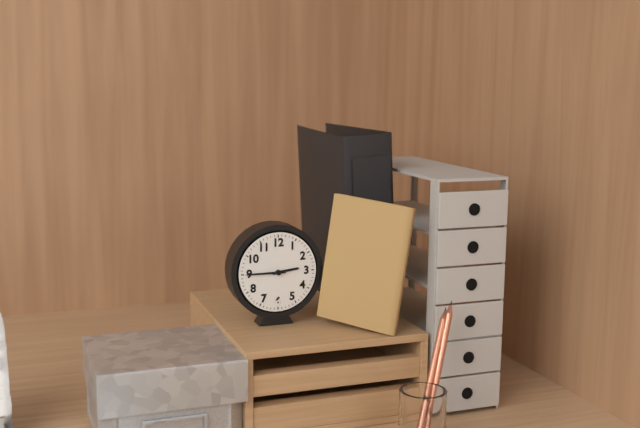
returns 2:45
